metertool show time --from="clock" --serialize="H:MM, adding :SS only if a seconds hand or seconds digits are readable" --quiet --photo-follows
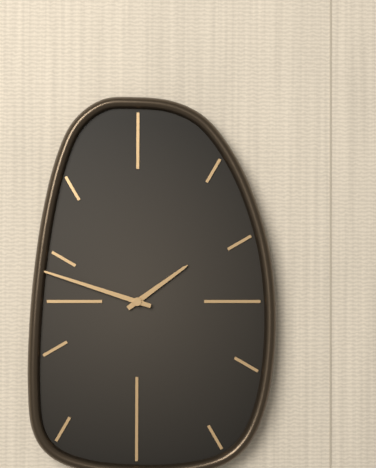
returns 1:48
